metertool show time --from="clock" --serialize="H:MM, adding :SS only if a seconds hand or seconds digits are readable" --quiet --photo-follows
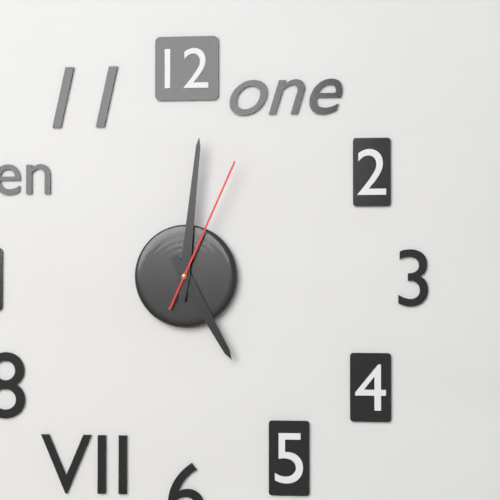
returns 5:01:04
